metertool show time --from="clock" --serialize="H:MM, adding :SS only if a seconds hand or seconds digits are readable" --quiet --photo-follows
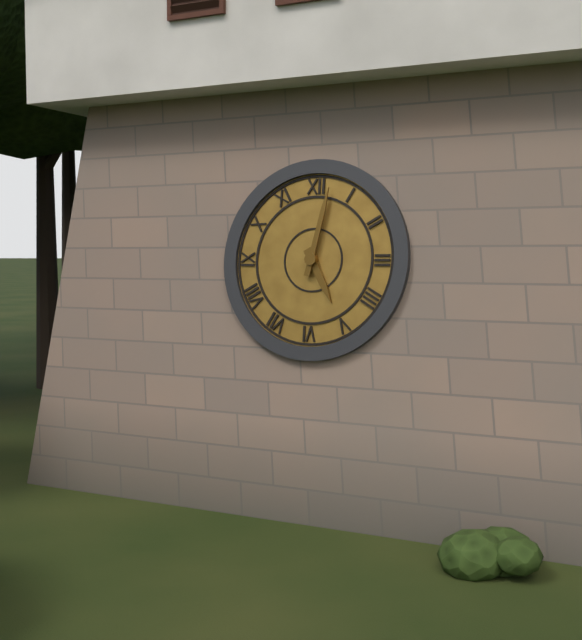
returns 5:02
